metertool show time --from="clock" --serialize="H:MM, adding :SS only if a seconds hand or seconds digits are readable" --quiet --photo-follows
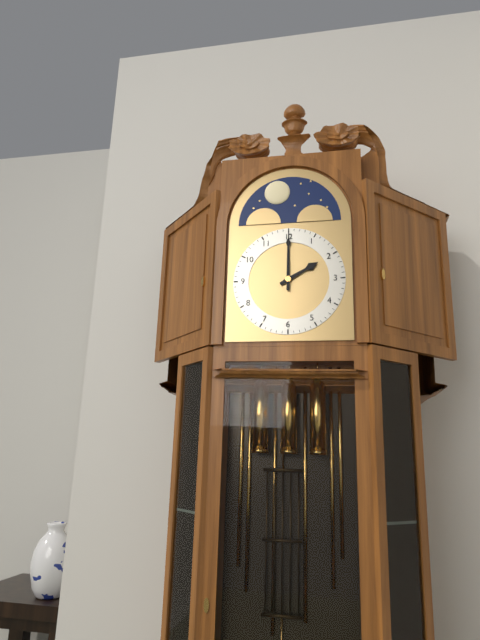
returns 2:00
